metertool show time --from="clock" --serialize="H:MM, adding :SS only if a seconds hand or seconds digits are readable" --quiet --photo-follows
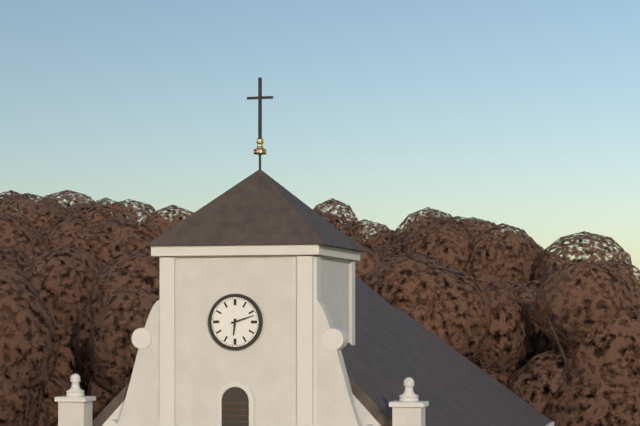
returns 6:12
